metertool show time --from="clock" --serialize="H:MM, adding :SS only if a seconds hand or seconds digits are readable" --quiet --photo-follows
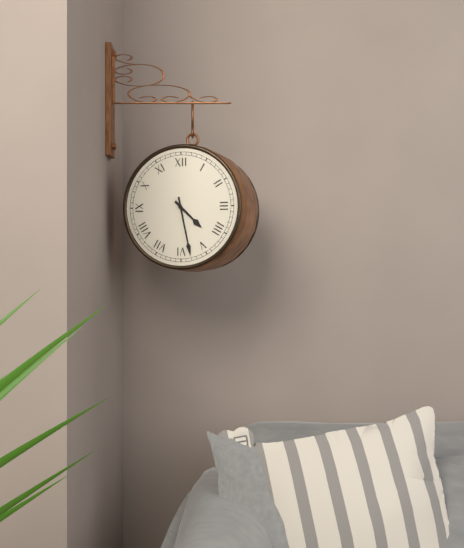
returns 4:28
